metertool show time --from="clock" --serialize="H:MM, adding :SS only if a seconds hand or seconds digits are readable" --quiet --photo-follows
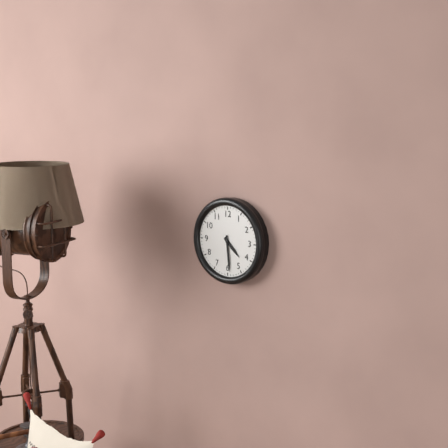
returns 4:29
